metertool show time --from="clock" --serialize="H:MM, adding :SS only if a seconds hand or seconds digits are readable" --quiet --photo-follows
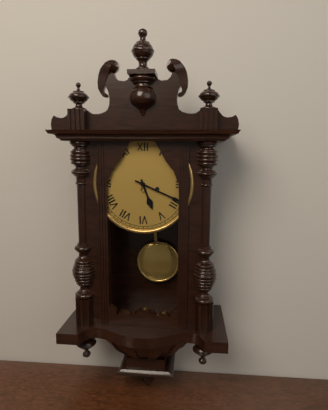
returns 5:19
